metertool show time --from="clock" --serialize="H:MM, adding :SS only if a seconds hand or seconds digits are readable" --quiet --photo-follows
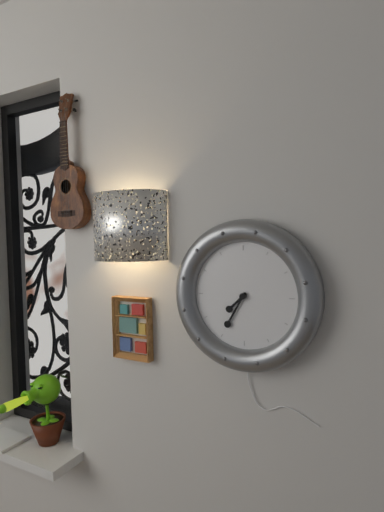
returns 7:35
